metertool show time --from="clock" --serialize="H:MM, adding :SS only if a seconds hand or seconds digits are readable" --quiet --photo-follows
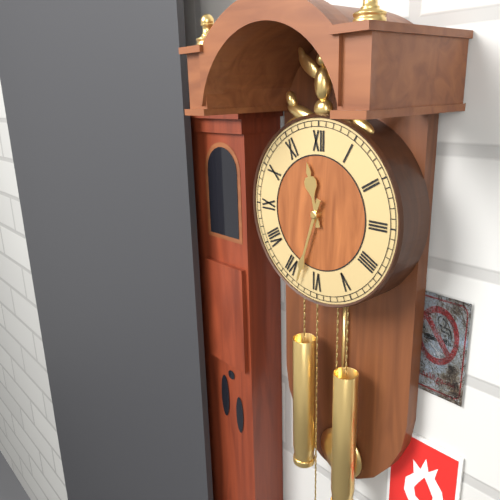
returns 11:33
